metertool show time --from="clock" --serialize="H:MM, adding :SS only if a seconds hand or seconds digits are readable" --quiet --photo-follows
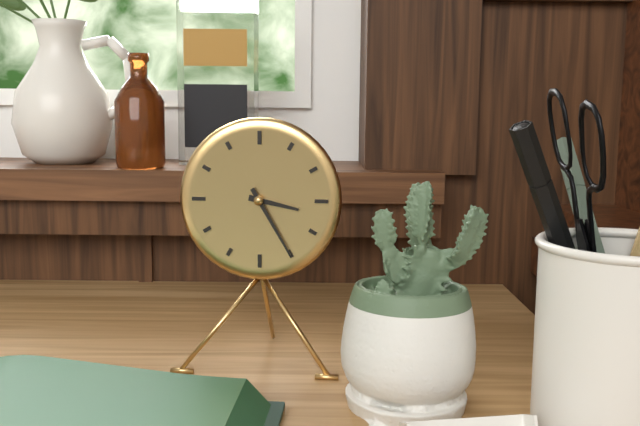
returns 3:25
